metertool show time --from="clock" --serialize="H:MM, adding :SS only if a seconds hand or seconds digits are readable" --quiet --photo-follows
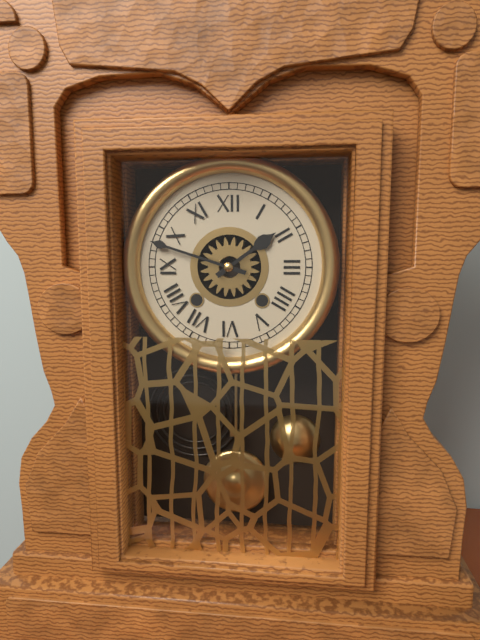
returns 1:48
